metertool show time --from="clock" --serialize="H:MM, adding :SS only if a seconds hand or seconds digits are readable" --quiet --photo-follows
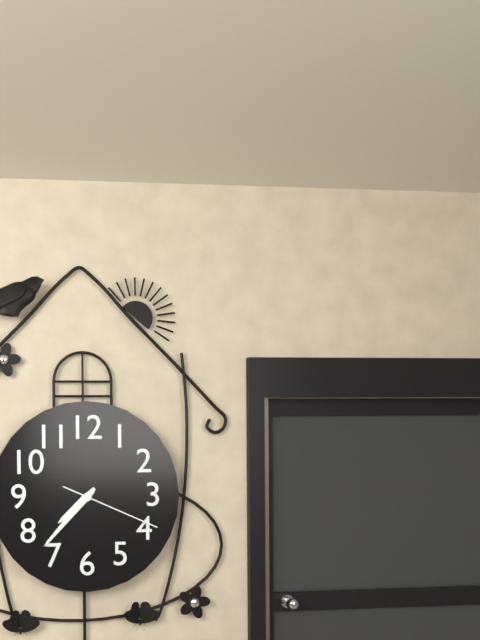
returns 7:37:19
